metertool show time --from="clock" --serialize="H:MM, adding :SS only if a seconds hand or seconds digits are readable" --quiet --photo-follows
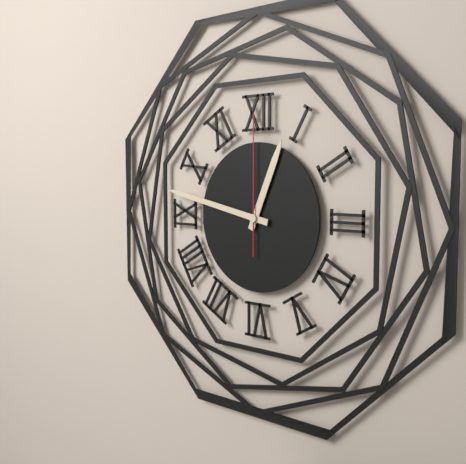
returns 12:47:00
